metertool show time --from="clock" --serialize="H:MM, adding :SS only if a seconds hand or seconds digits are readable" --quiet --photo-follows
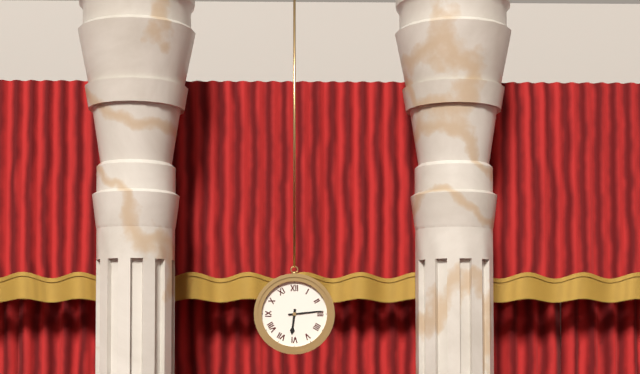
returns 6:14
